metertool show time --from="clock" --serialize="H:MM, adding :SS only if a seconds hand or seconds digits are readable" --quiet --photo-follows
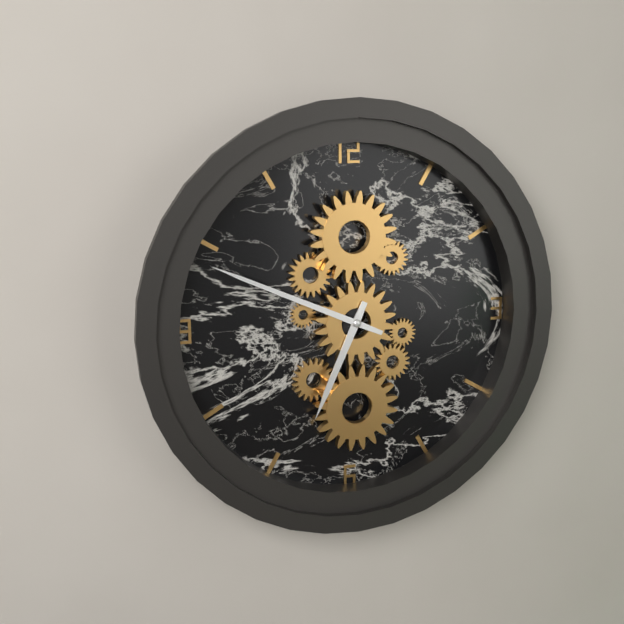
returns 6:49
